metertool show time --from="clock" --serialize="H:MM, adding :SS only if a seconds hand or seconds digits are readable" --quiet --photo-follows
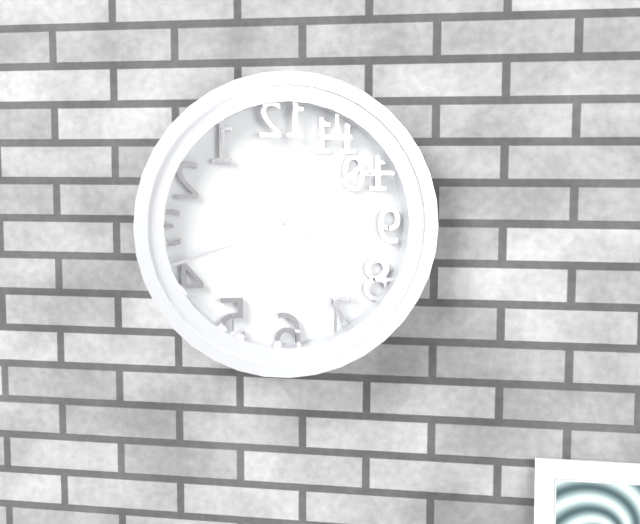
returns 1:42
